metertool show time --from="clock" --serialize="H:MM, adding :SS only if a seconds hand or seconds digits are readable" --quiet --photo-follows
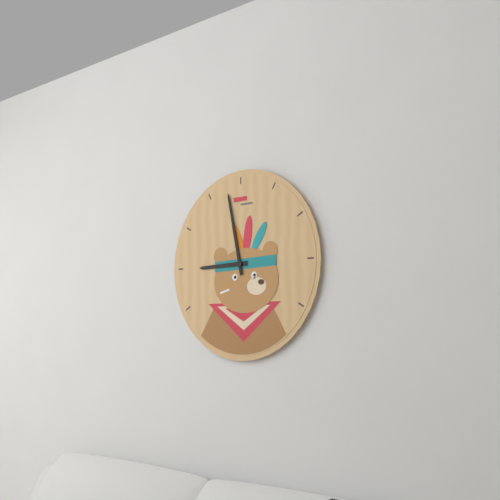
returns 8:58
